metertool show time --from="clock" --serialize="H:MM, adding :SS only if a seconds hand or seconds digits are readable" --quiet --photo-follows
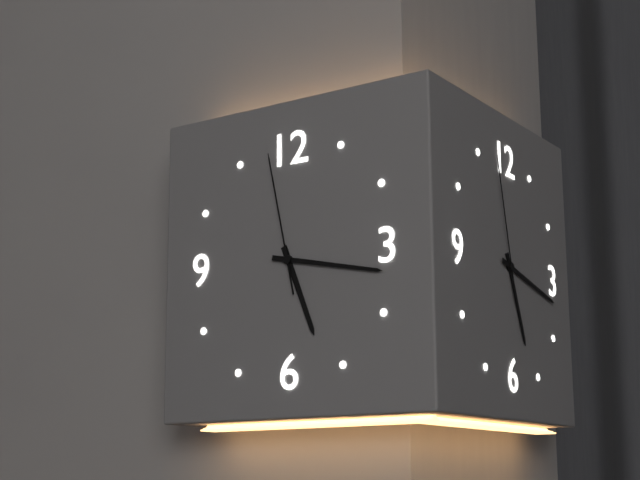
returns 5:17:58
